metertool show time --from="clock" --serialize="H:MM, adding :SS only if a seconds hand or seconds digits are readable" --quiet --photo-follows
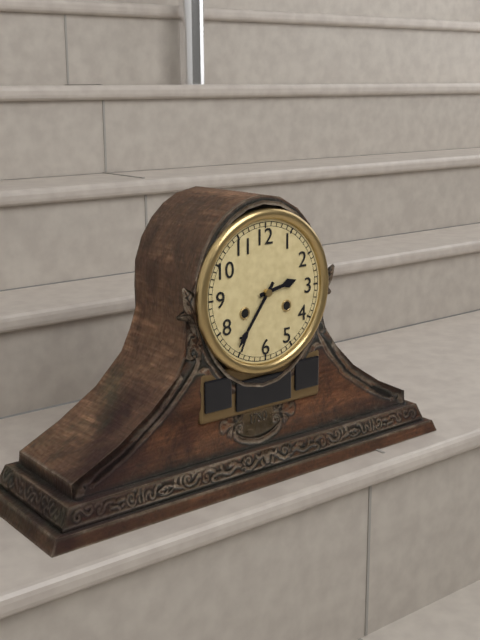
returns 2:36
